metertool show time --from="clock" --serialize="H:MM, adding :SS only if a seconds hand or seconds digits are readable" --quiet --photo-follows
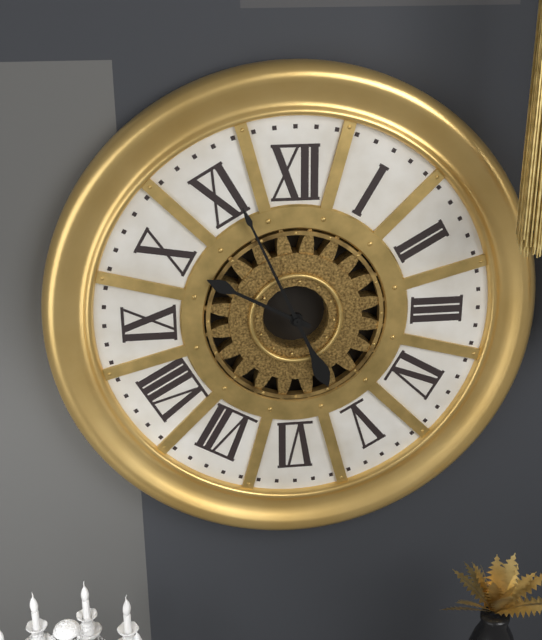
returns 9:56
